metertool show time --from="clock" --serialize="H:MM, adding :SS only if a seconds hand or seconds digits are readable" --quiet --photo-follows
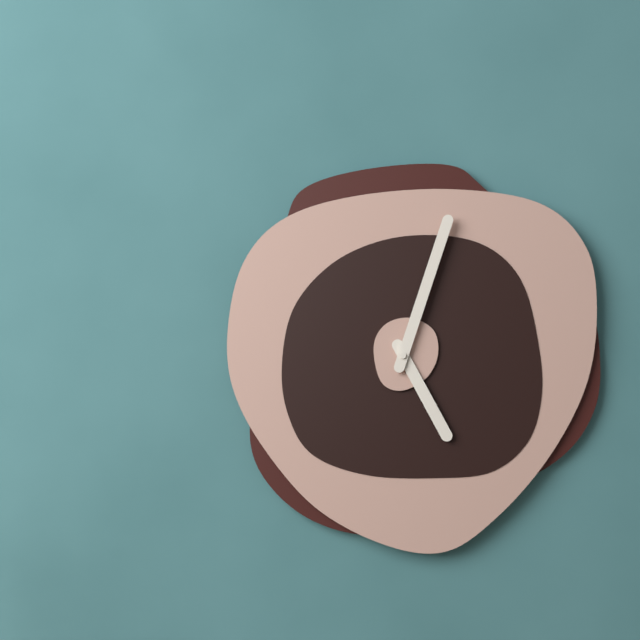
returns 5:03
